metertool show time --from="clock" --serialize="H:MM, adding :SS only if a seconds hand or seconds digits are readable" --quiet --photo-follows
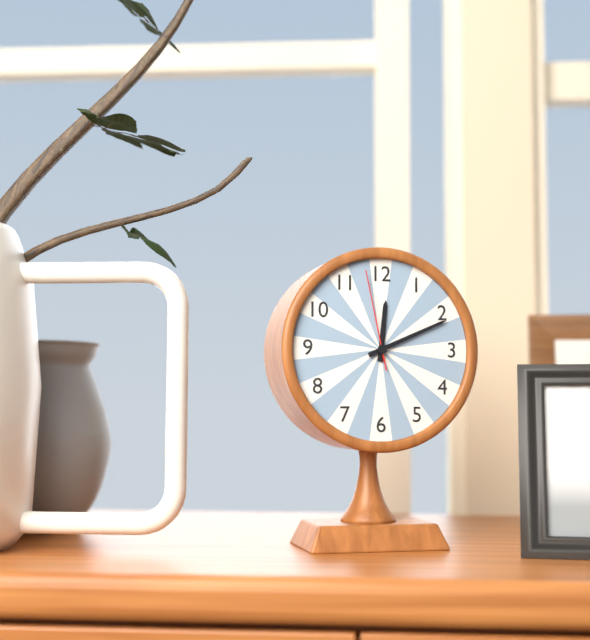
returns 12:11:58
